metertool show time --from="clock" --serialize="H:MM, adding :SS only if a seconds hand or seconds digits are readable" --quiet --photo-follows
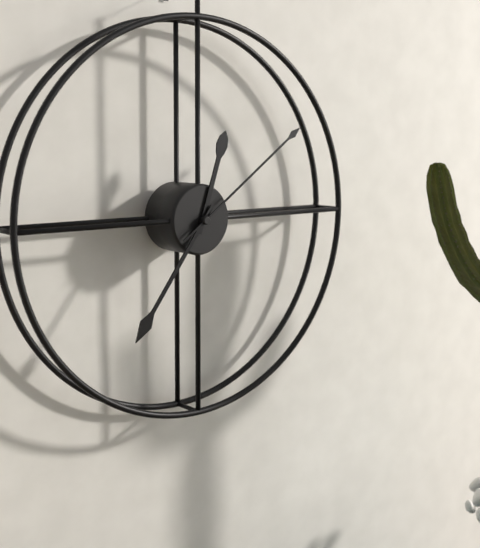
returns 12:36:09
